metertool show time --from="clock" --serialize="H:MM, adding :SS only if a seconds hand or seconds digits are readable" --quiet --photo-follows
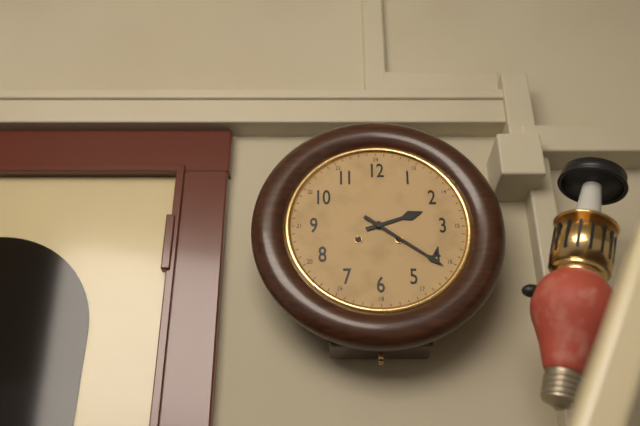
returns 2:21
